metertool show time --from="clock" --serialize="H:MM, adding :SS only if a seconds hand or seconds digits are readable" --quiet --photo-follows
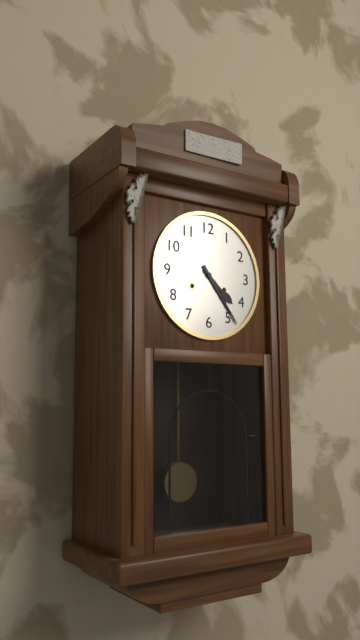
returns 4:24
